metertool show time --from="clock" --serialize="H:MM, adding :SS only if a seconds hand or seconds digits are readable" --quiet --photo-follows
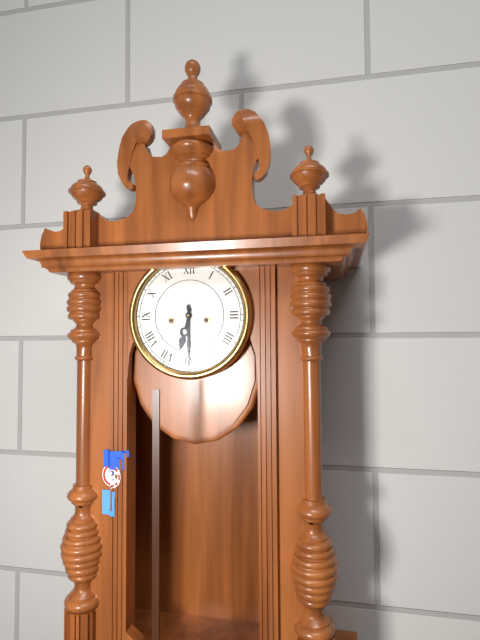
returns 6:30
